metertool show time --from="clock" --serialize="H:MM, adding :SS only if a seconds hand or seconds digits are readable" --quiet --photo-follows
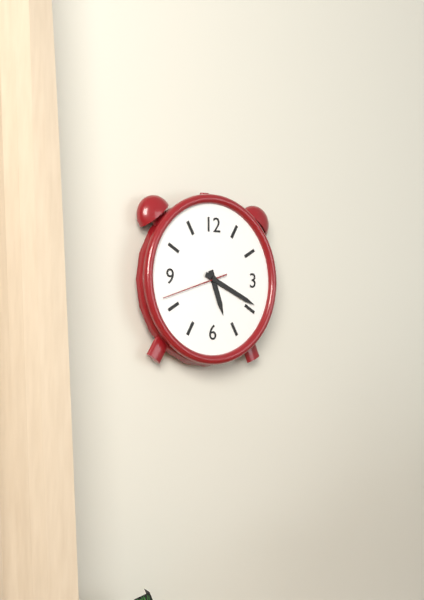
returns 5:19:42
